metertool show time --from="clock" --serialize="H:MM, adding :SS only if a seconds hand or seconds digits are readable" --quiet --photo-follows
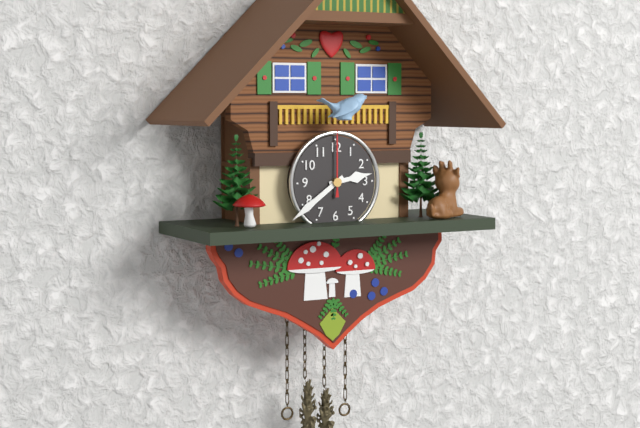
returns 2:39:00
